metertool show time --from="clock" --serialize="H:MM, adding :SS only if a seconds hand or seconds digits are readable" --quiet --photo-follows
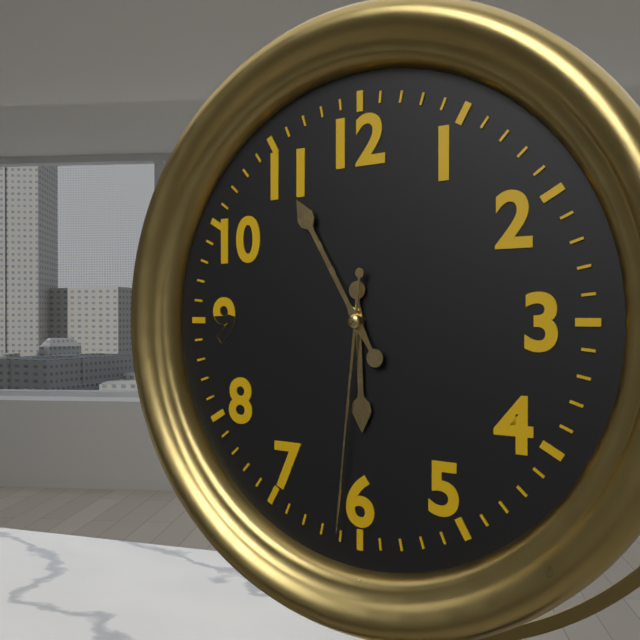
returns 5:55:31
